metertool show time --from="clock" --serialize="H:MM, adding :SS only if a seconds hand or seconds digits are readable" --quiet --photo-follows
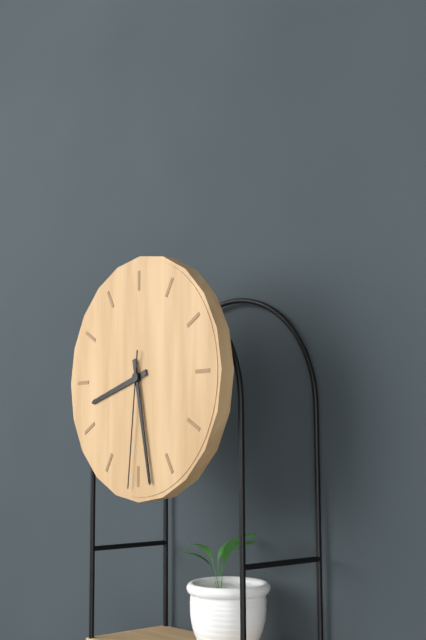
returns 8:28:31
